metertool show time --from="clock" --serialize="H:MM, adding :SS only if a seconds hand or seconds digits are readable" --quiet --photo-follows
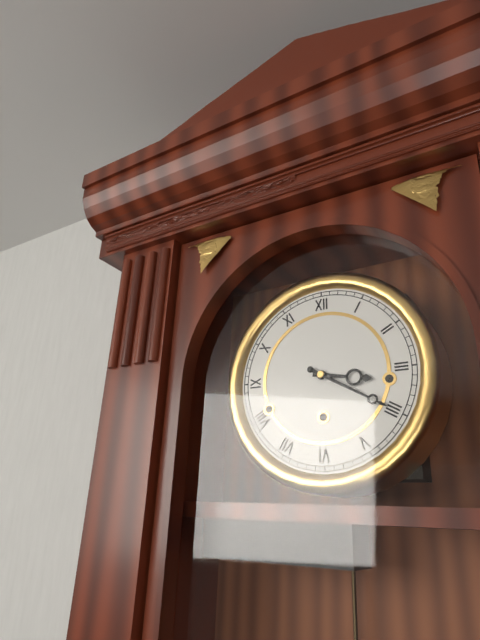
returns 3:20
